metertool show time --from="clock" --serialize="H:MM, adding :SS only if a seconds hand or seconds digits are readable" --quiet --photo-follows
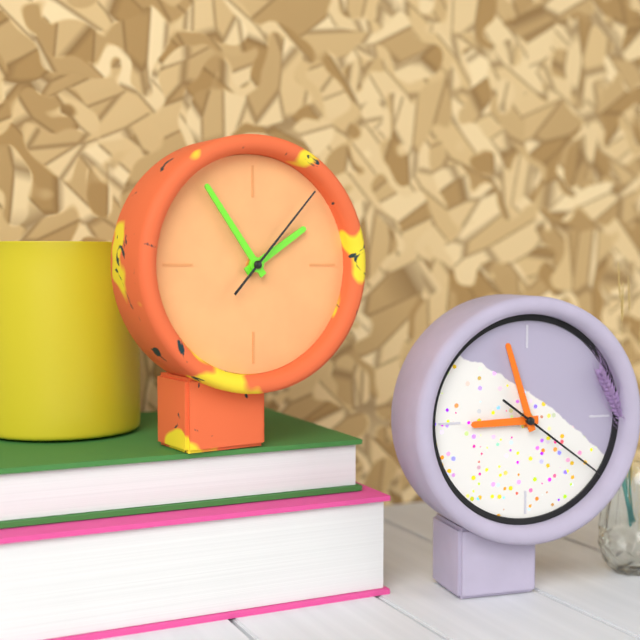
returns 1:54:07
